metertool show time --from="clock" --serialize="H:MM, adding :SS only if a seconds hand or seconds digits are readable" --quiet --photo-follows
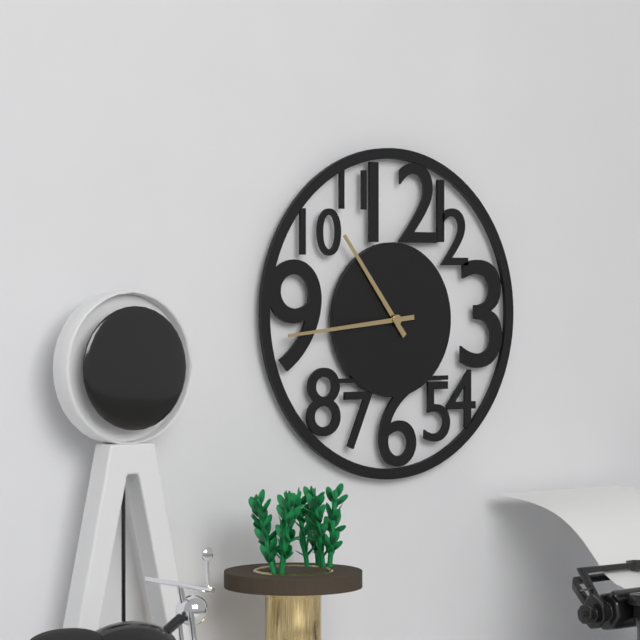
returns 10:44
